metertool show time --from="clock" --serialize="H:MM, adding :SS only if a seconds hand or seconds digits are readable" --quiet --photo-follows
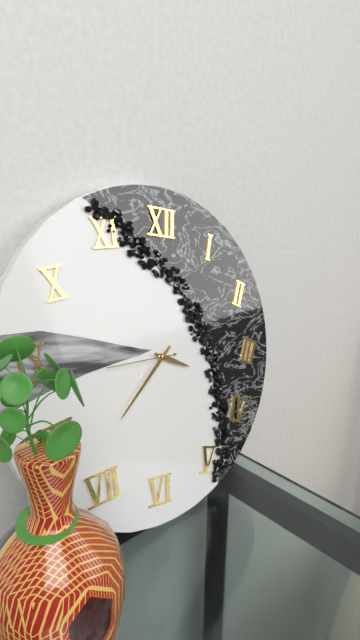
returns 3:37:44
